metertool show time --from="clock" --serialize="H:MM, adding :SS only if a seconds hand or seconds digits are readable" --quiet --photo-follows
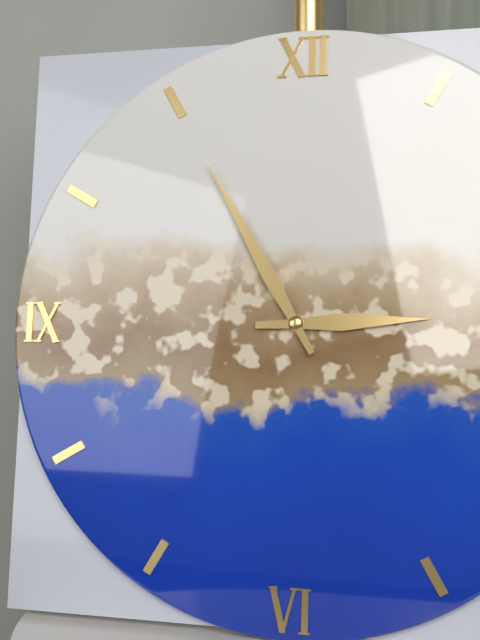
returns 2:55
